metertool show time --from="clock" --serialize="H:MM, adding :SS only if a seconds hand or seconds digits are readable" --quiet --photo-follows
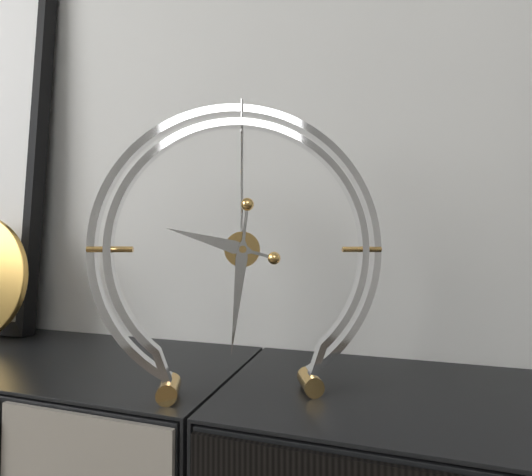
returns 9:31
